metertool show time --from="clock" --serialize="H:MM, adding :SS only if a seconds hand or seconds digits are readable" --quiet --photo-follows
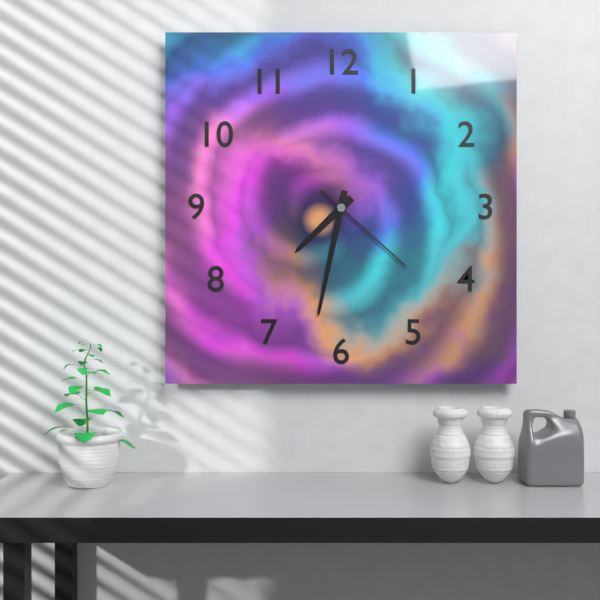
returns 7:32:22
